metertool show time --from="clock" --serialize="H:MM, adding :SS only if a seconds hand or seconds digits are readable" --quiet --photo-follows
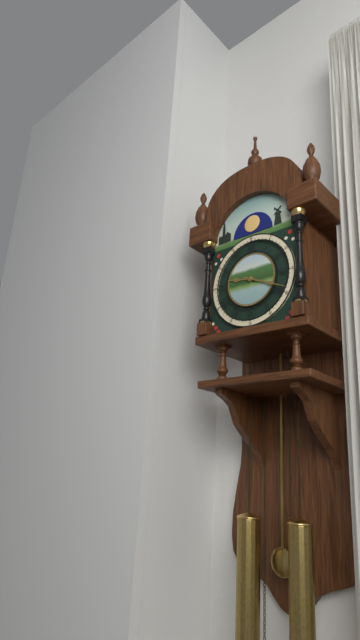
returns 9:19
